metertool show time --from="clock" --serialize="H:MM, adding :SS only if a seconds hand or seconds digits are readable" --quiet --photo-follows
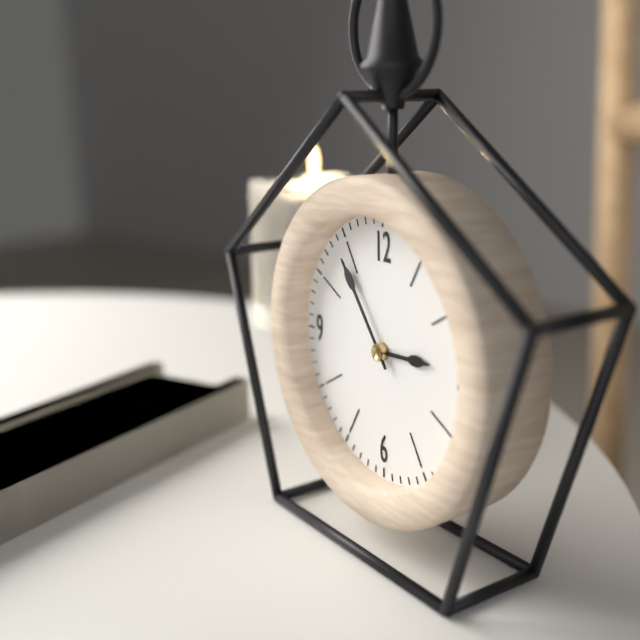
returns 2:54
